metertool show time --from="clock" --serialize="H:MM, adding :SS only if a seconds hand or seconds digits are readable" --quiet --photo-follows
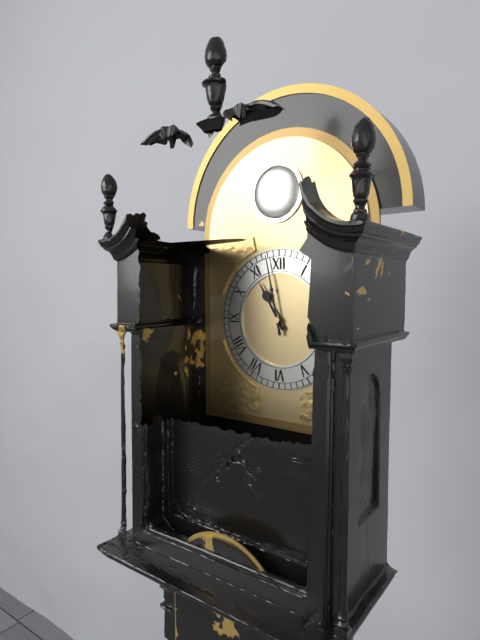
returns 10:58
